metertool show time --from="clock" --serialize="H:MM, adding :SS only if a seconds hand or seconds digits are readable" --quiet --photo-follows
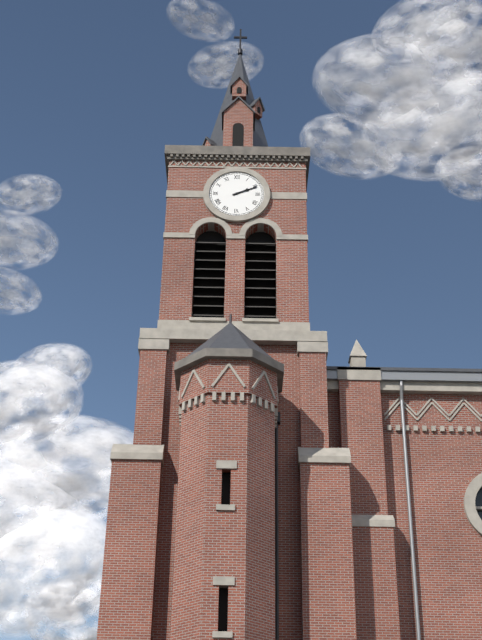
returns 2:11
